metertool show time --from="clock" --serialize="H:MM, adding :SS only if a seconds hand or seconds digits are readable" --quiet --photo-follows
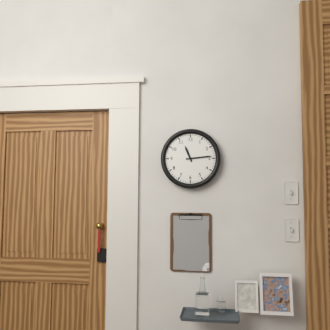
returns 11:14
